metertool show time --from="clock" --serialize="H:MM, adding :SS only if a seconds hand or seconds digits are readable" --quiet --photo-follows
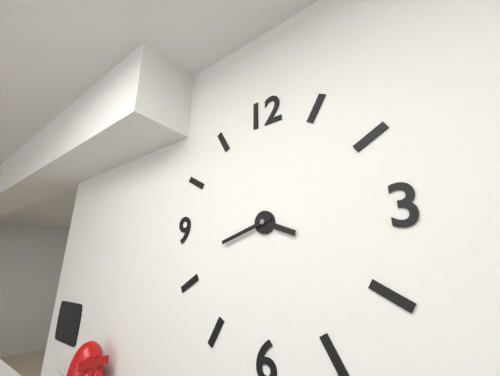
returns 3:42
